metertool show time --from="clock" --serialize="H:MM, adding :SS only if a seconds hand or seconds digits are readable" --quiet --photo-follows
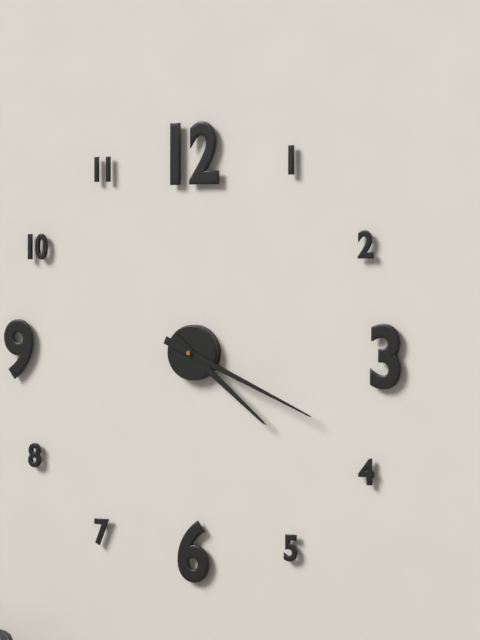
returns 4:19
